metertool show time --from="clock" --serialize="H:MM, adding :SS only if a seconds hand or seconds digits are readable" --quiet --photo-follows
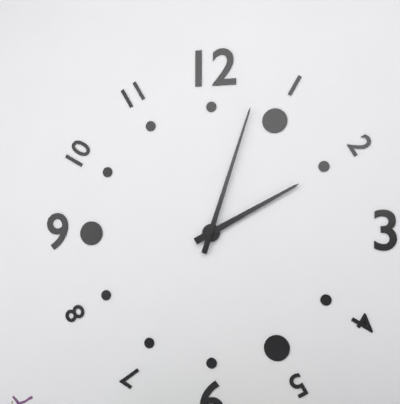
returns 2:03
